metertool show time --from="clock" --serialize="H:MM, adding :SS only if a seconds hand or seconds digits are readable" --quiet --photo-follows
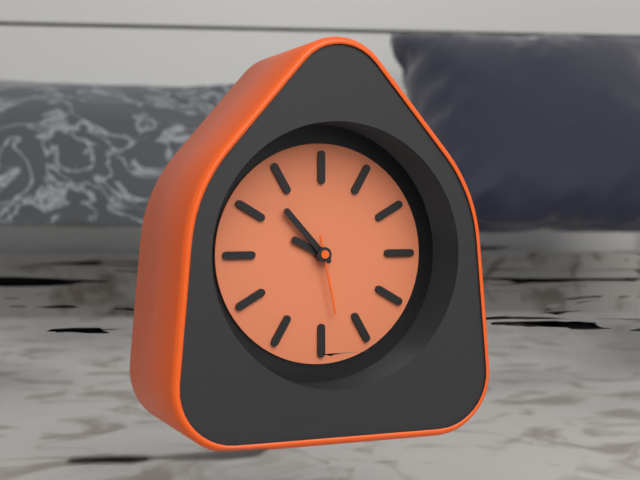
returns 9:53:28
